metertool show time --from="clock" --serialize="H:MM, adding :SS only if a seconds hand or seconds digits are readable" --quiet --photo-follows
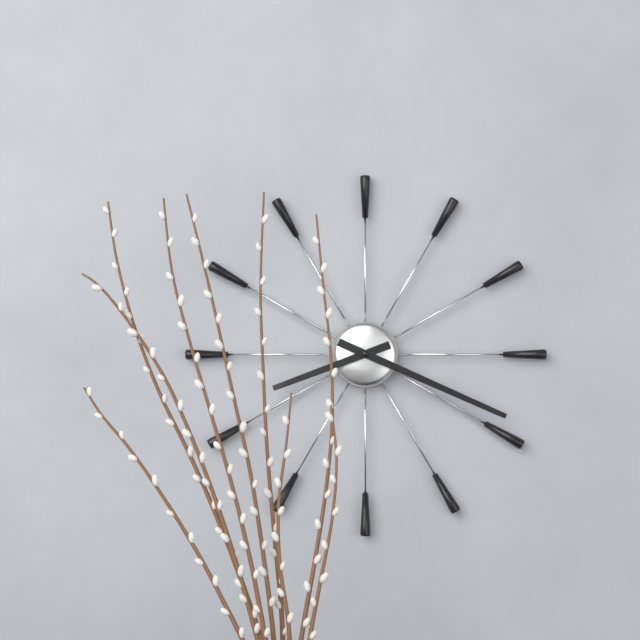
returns 8:19
